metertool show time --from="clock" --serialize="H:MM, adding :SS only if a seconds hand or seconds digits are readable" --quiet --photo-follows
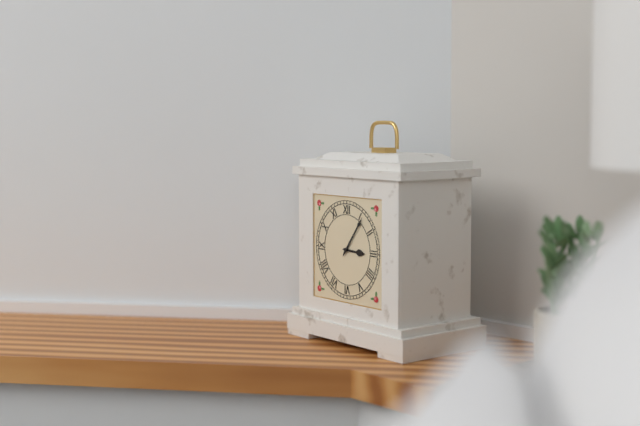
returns 3:06
